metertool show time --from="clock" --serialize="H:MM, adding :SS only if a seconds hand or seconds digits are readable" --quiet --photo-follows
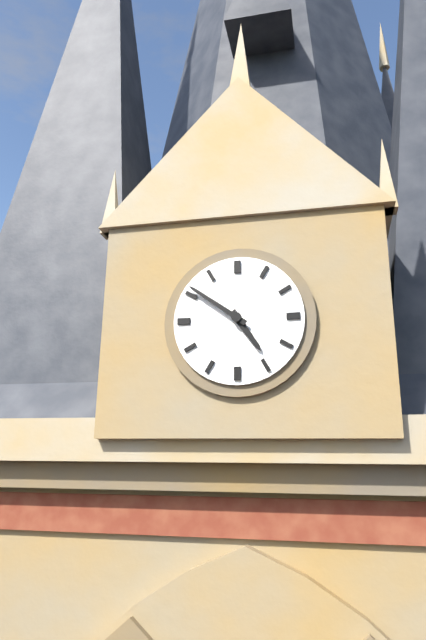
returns 4:51
